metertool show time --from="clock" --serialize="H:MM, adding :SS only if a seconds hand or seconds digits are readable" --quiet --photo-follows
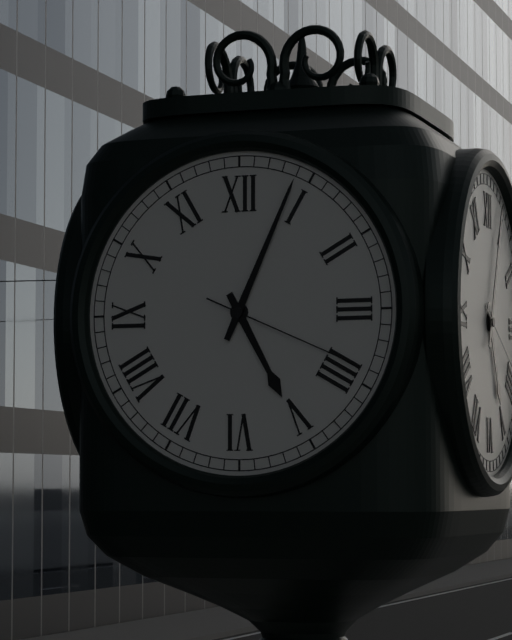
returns 5:04:19
